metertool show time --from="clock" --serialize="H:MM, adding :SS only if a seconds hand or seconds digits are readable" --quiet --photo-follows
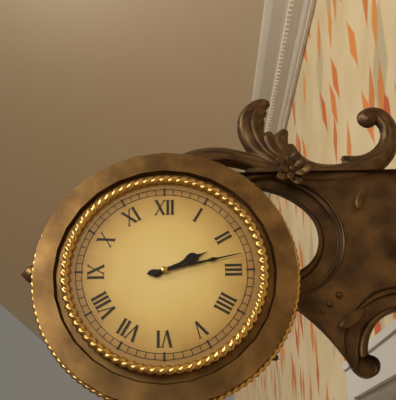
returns 2:13
